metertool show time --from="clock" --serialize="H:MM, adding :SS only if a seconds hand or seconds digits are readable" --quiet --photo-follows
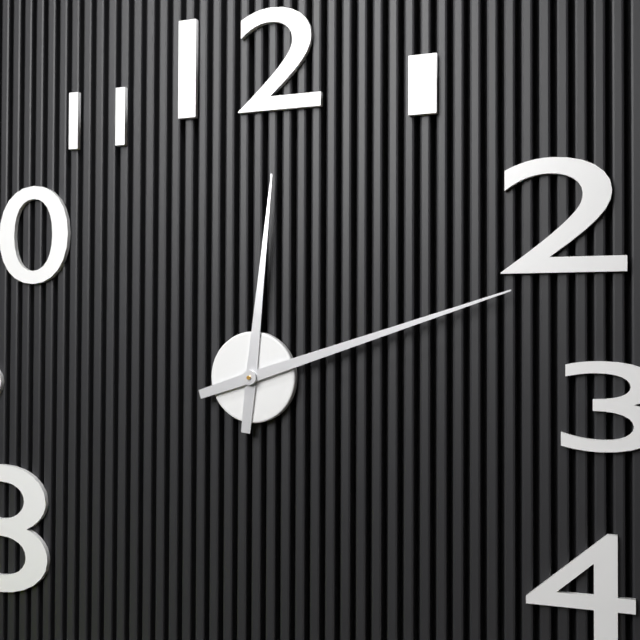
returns 12:12
